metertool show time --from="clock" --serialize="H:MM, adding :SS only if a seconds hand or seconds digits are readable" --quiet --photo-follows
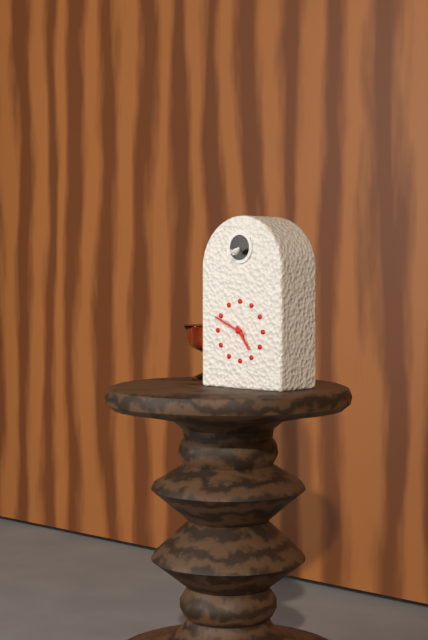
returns 4:49
